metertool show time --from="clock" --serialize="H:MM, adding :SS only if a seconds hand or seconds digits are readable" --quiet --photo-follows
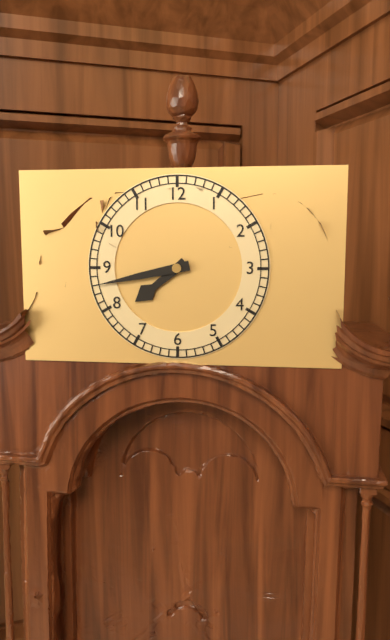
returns 7:43
